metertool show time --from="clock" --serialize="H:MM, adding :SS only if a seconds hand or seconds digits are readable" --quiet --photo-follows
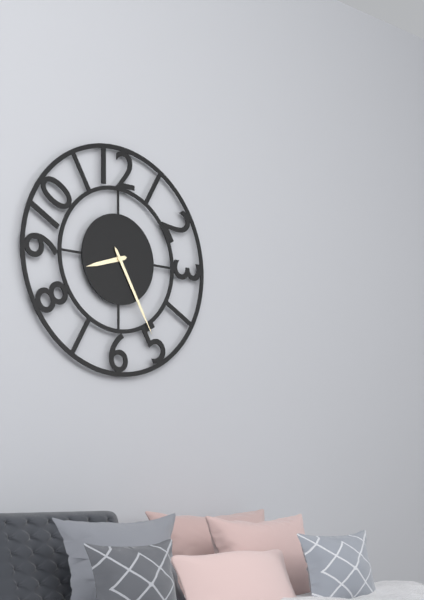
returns 8:25
